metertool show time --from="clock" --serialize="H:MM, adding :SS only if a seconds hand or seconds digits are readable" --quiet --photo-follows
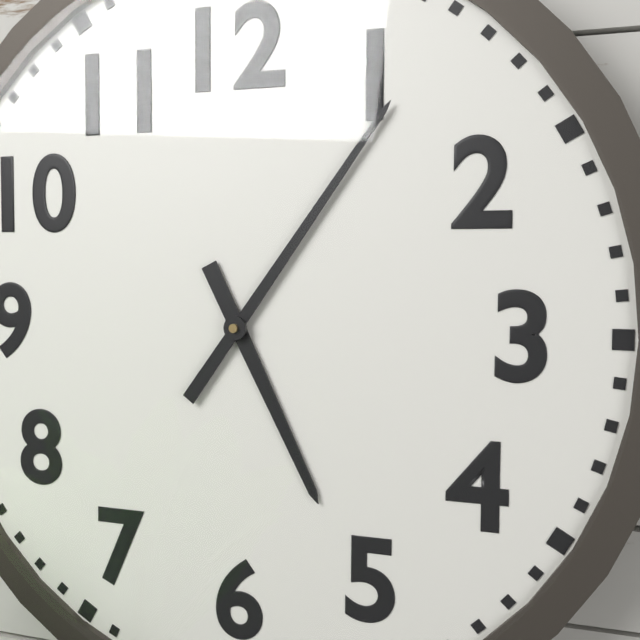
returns 5:06
